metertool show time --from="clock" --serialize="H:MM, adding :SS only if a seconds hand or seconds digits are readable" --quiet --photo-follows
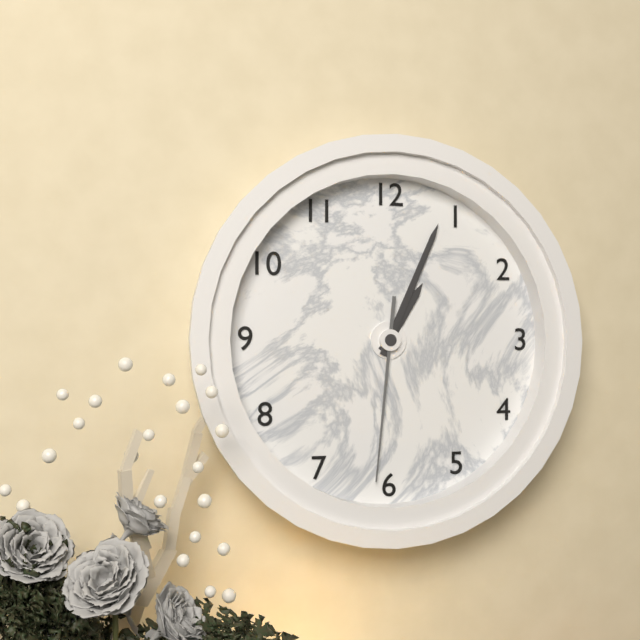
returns 1:04:31
